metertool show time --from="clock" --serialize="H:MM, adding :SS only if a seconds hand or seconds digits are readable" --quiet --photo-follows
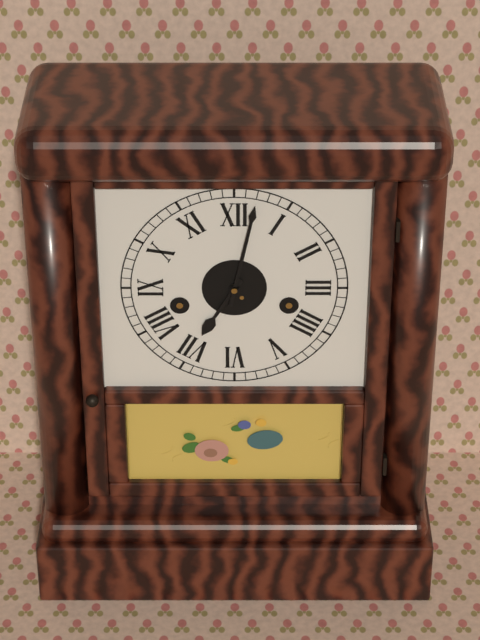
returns 7:02
